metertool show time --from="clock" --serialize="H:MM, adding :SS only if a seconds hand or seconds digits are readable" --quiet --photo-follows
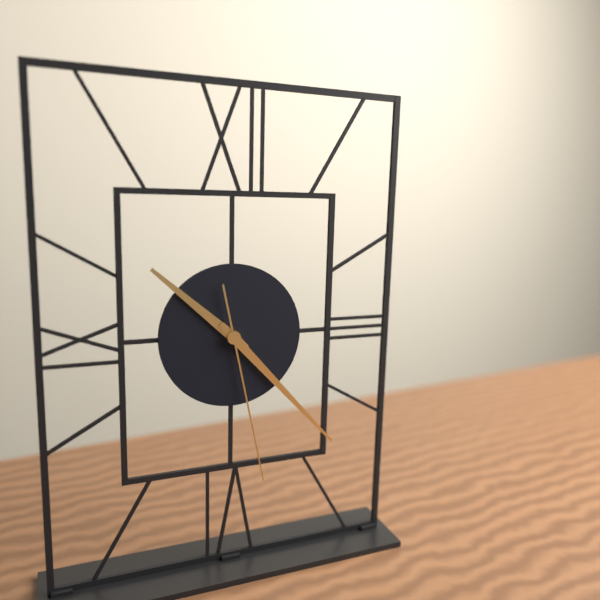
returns 10:23:28
